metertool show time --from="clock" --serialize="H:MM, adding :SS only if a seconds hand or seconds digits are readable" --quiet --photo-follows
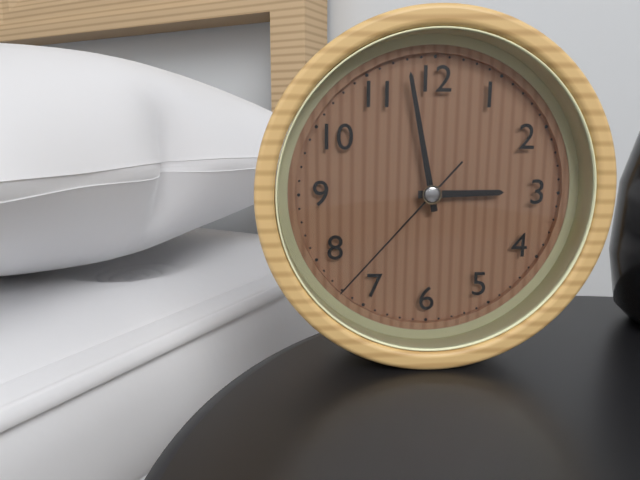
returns 2:58:37
